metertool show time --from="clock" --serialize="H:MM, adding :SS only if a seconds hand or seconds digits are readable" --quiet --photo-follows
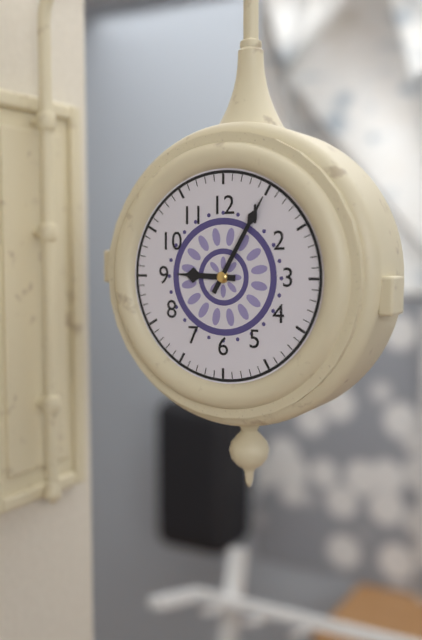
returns 9:05
